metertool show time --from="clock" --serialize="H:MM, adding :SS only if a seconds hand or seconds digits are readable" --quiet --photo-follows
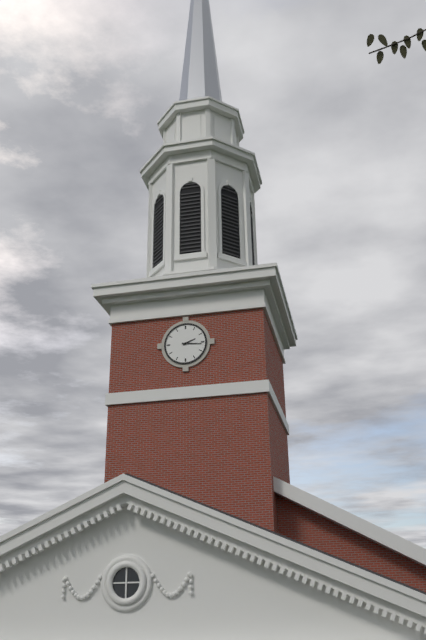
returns 2:16
